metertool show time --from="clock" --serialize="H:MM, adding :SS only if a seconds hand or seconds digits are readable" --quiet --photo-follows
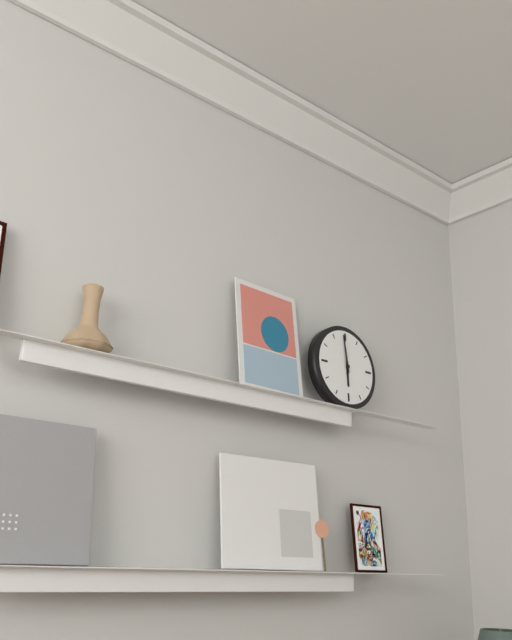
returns 5:59
